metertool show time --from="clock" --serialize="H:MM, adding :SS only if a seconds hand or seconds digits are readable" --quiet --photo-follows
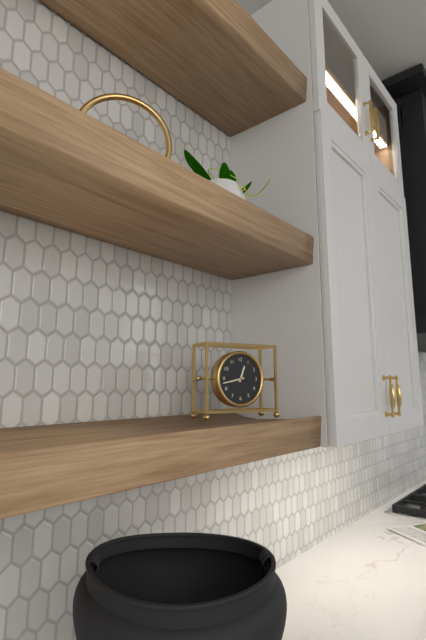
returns 12:43
